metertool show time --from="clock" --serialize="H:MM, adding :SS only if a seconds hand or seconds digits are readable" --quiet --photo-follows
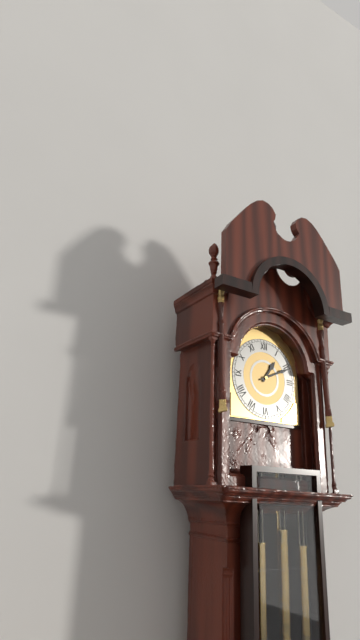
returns 1:11
